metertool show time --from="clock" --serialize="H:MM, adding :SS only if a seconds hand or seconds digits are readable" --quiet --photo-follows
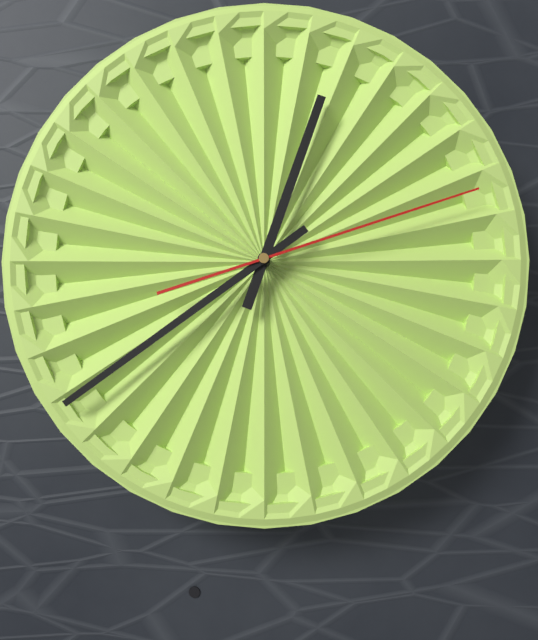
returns 12:39:12
